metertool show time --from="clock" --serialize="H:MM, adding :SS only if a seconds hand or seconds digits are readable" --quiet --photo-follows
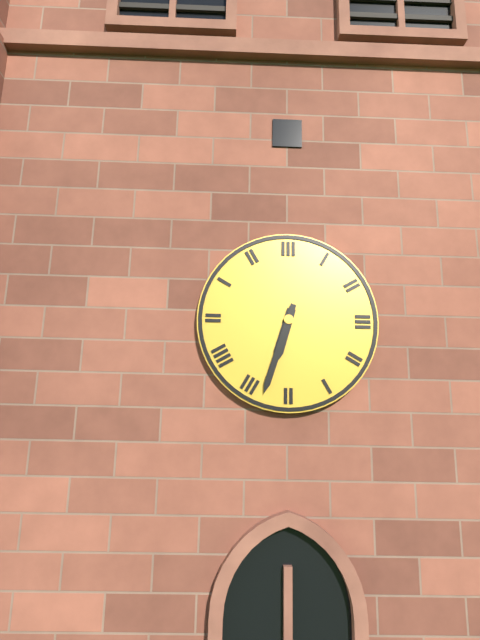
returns 6:33
